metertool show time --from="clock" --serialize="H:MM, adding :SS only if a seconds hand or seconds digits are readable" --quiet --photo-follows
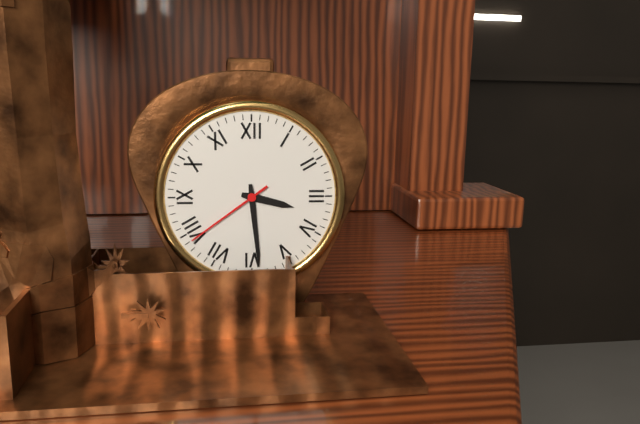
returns 3:29:39
